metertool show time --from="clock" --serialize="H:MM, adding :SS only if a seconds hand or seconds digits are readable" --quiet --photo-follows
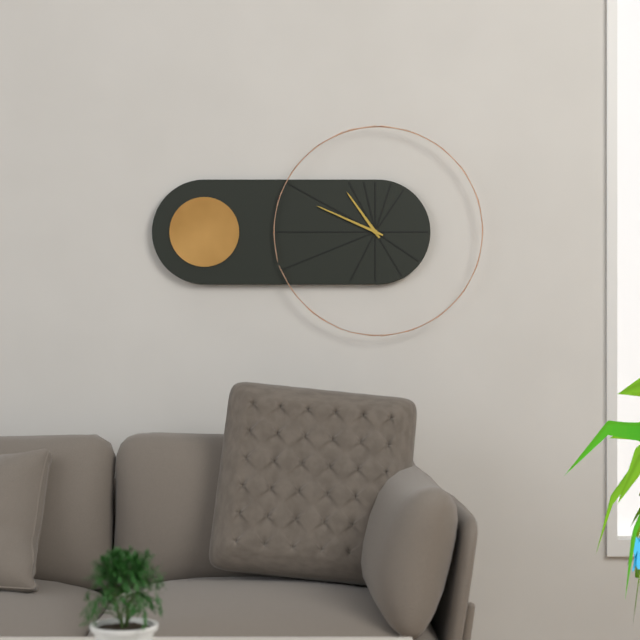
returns 10:49
